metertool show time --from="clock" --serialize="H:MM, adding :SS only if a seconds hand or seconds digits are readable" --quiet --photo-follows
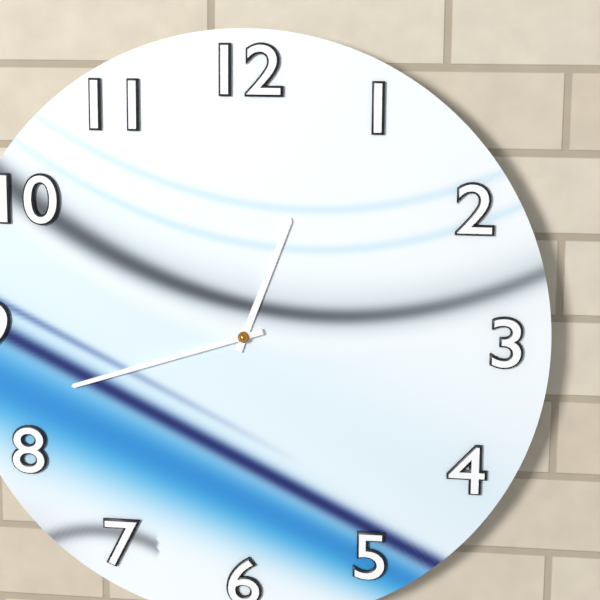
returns 12:42
